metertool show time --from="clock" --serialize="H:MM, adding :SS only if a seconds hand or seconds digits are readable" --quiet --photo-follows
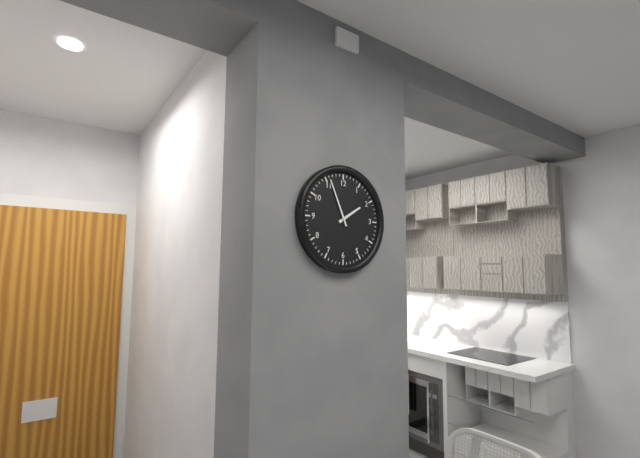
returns 1:56
